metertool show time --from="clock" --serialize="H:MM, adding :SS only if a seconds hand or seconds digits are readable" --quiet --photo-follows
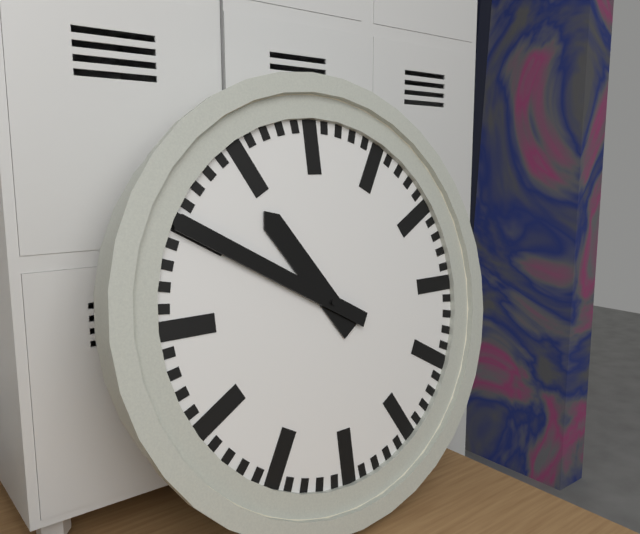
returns 10:50
